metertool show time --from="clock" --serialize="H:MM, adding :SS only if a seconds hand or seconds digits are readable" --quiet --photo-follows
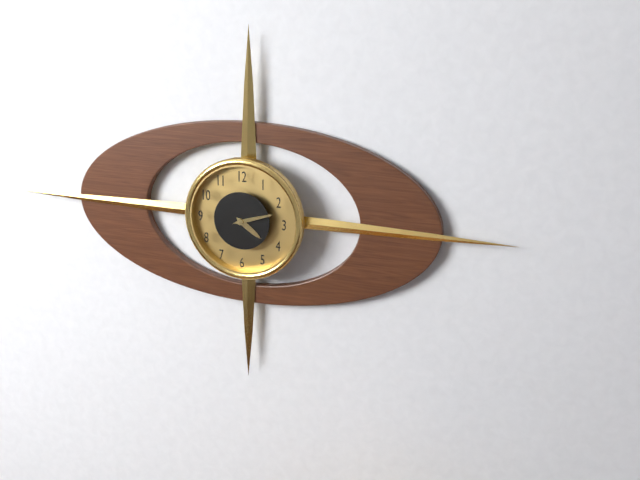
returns 4:12
